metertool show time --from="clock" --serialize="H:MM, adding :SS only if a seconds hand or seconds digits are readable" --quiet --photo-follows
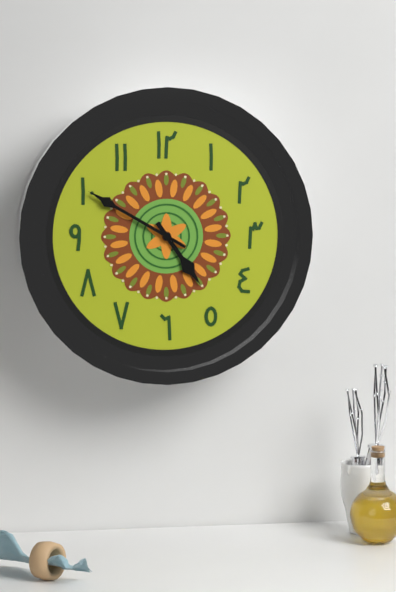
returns 4:50
